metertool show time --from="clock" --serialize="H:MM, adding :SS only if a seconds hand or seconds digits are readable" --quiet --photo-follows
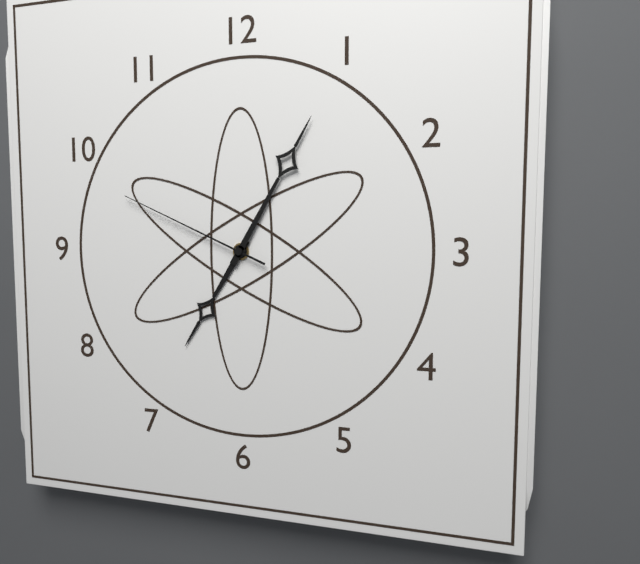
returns 7:05:49
